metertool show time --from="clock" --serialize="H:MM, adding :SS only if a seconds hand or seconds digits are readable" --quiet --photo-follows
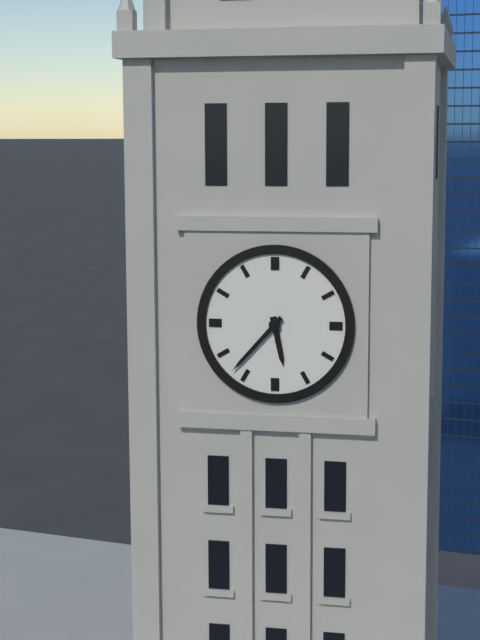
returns 5:37
